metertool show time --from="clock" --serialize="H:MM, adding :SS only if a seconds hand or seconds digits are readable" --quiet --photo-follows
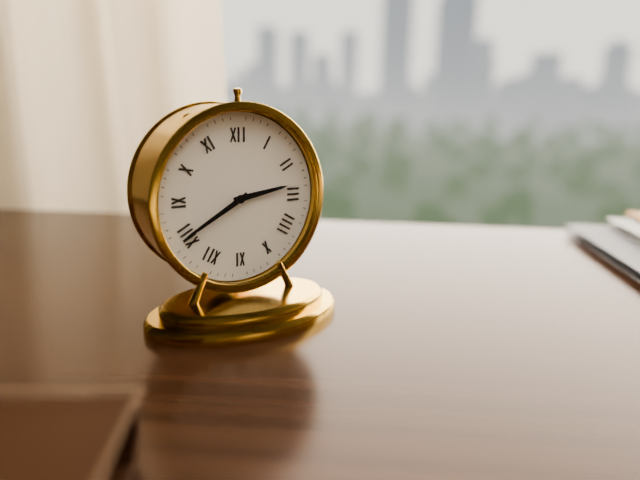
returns 2:40
